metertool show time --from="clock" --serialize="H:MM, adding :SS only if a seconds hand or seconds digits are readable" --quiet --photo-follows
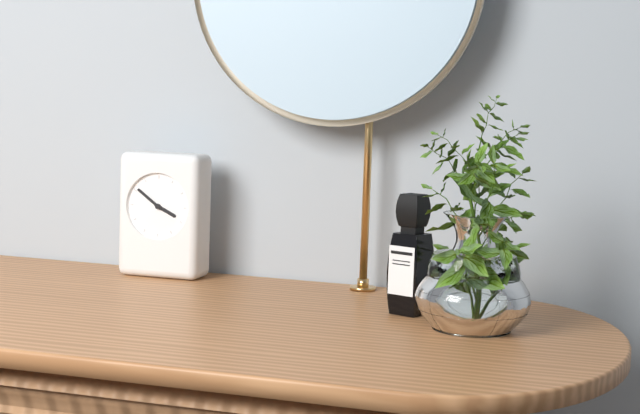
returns 3:51
